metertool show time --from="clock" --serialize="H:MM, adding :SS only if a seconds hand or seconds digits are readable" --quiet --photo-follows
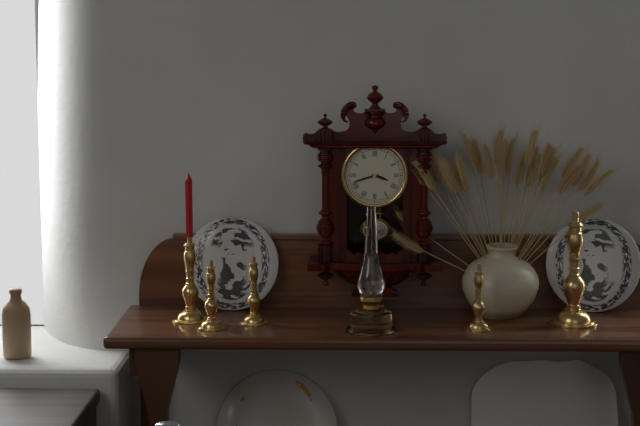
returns 3:42
